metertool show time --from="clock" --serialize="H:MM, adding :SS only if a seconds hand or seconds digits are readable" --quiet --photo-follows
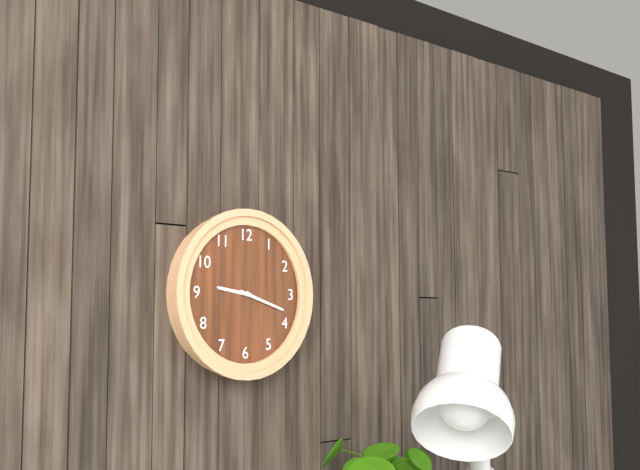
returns 9:18
